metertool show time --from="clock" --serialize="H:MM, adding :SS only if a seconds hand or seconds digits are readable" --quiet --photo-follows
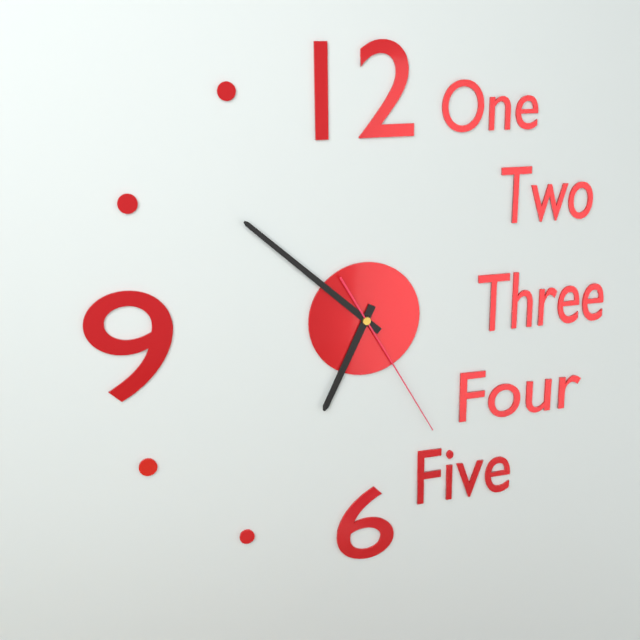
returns 6:52:25
